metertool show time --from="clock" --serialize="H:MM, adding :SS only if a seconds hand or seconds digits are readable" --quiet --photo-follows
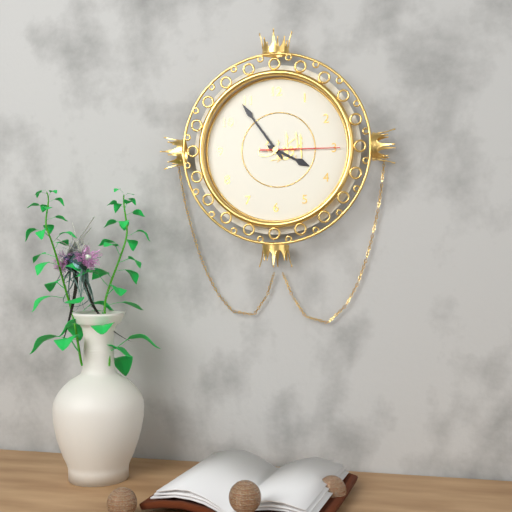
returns 3:54:15
